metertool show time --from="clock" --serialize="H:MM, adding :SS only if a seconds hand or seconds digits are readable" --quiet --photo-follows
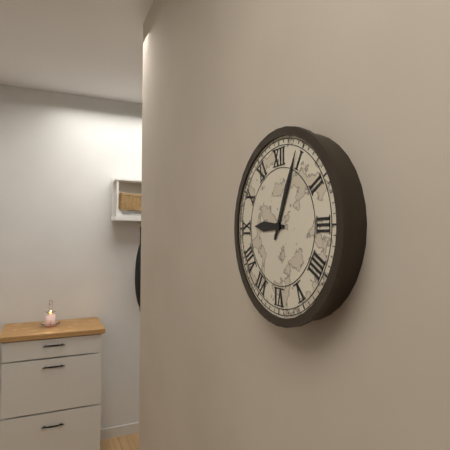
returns 9:04
